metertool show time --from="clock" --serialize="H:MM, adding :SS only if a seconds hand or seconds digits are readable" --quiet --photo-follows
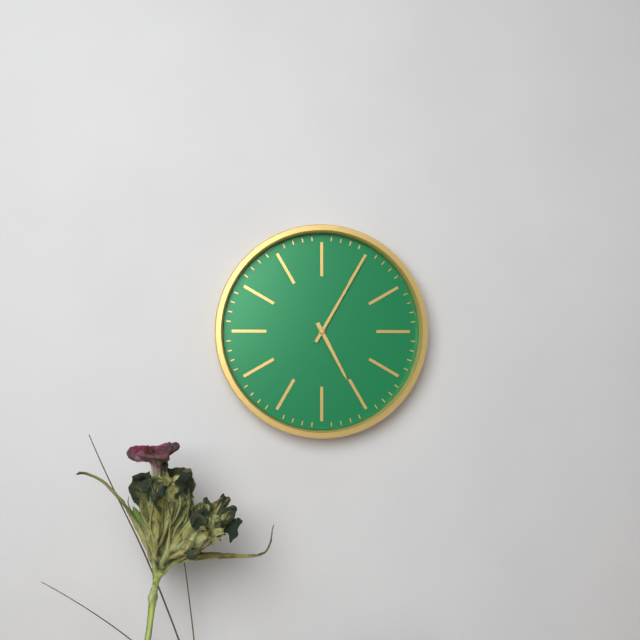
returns 5:05
